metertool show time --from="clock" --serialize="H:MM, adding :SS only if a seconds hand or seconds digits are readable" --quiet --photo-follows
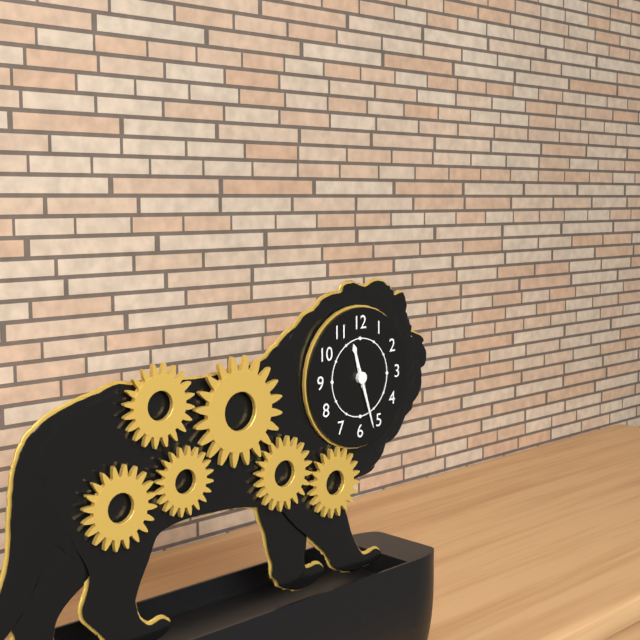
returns 11:27
